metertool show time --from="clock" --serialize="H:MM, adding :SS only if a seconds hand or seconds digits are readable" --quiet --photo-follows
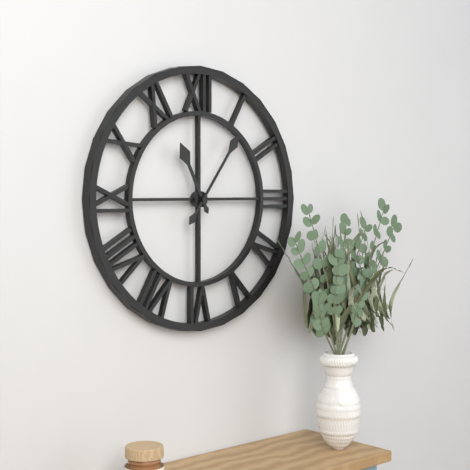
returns 11:06
